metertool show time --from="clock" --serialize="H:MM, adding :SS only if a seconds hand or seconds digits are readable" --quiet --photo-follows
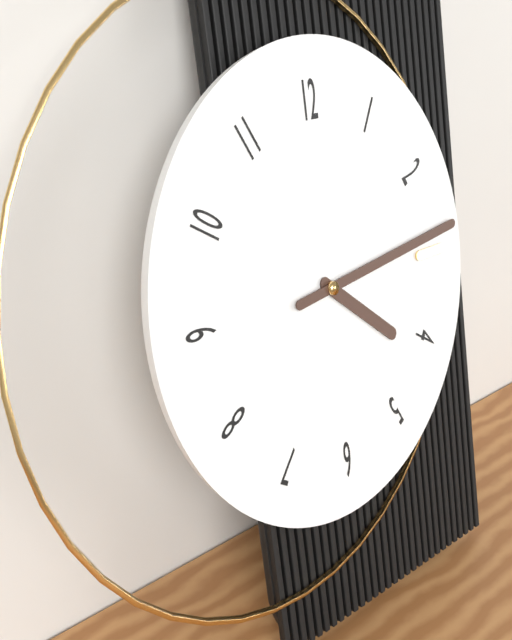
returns 4:14
